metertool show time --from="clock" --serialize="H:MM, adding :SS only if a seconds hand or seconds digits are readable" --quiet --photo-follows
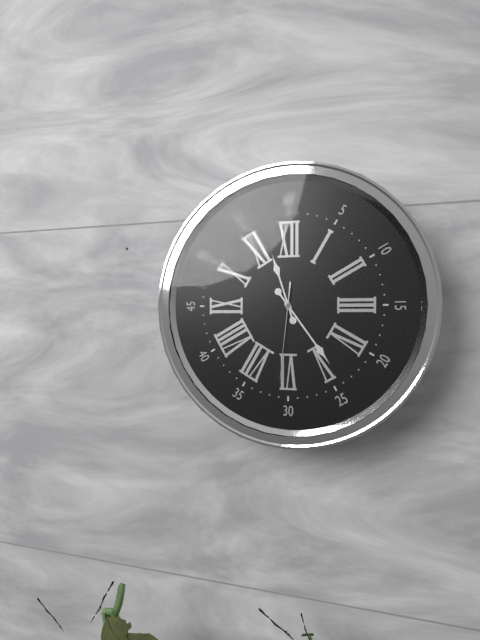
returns 11:24:31
